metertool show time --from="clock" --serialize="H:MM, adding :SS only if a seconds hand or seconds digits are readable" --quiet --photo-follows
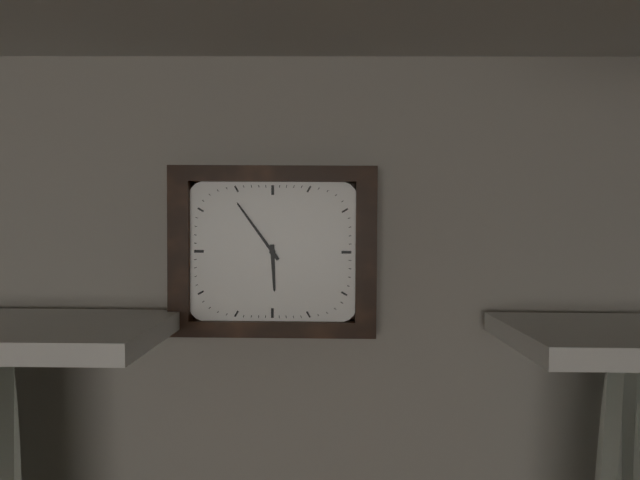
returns 5:54
